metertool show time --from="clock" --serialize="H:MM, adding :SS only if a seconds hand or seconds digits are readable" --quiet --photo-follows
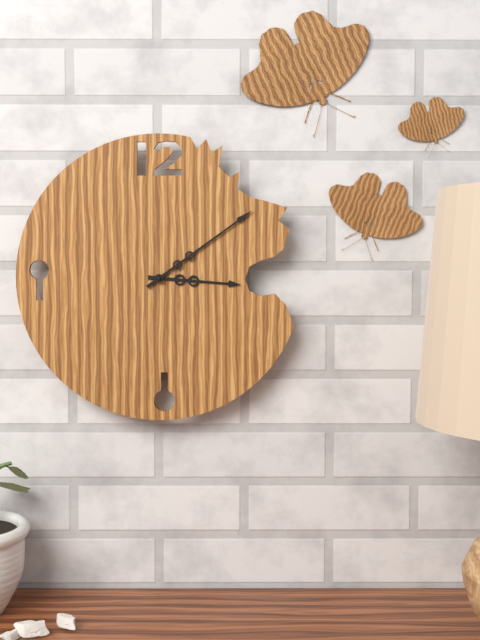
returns 3:09
